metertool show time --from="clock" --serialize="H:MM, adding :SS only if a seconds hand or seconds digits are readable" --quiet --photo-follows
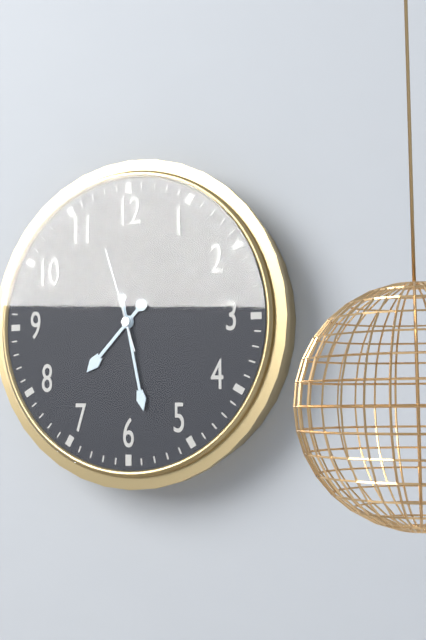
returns 7:28:57
